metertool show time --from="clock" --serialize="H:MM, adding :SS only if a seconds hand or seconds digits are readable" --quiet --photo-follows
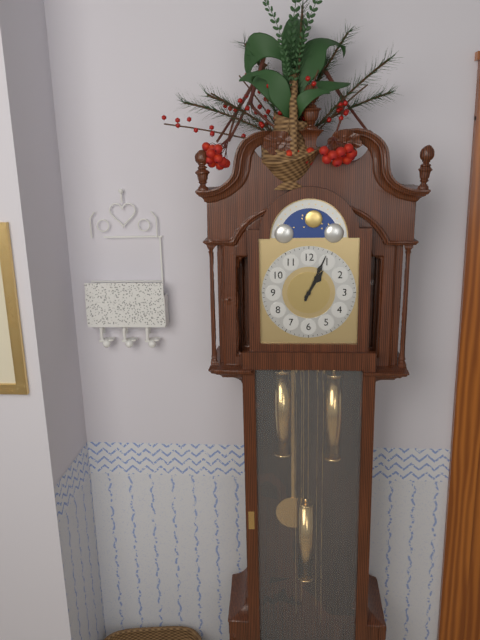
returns 1:04
